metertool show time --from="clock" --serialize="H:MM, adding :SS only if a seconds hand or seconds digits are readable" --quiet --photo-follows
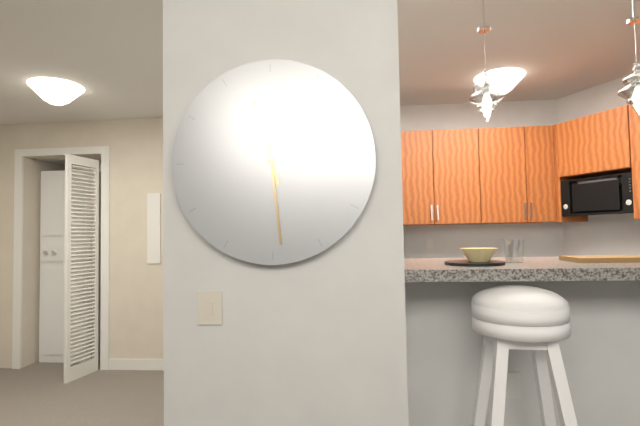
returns 11:29
